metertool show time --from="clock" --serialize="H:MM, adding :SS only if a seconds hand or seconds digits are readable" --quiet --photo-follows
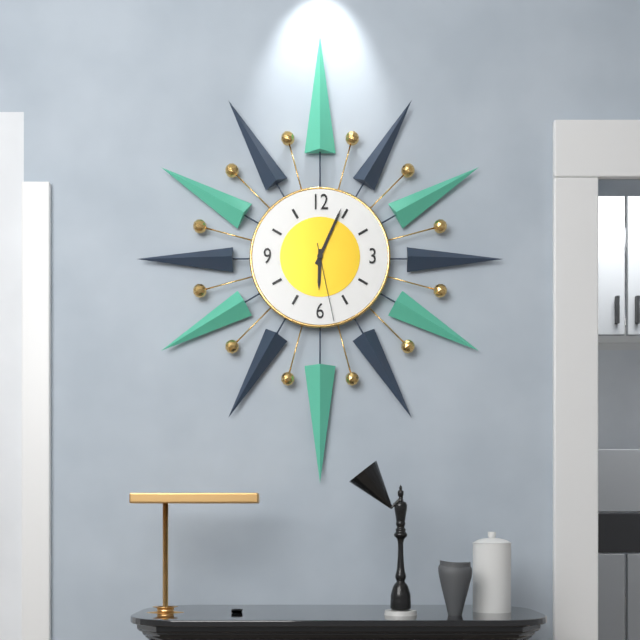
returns 6:04:28
